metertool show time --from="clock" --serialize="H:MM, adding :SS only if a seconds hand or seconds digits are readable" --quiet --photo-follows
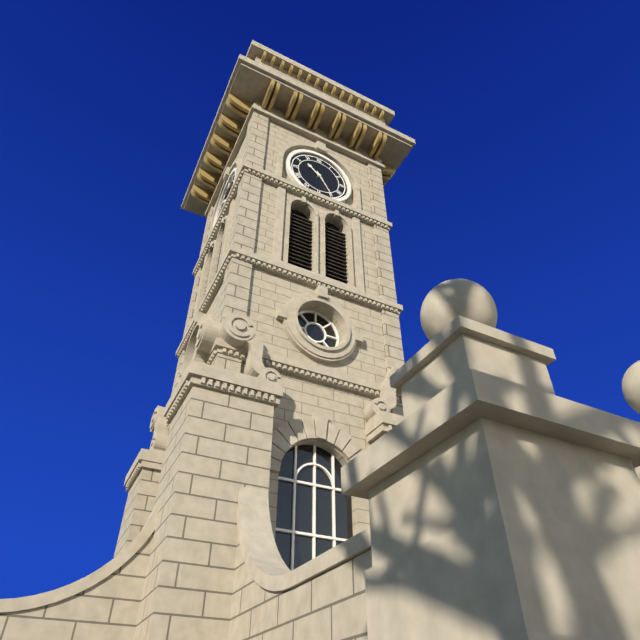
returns 10:25
